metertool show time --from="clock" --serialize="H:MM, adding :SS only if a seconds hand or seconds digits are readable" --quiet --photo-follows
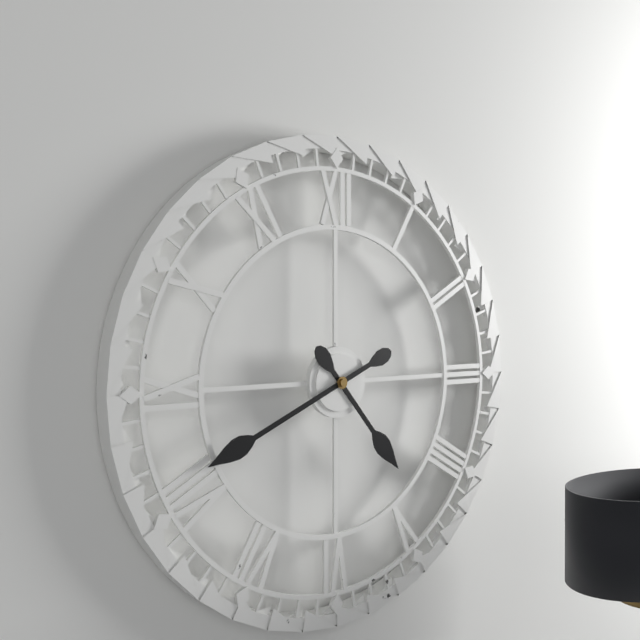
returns 4:41
